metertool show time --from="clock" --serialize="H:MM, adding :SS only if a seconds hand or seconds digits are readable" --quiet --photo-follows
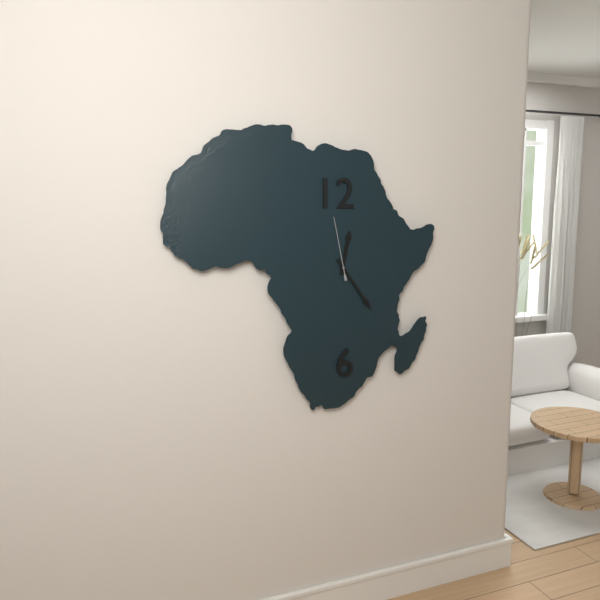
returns 12:24:58
